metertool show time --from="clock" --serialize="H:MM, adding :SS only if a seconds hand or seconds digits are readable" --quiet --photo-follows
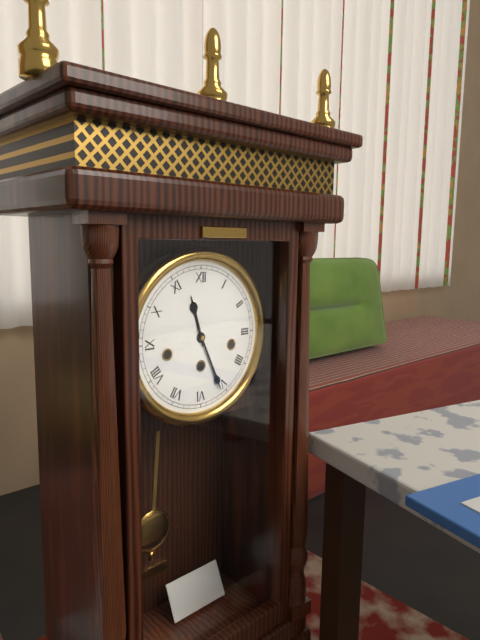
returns 11:26
